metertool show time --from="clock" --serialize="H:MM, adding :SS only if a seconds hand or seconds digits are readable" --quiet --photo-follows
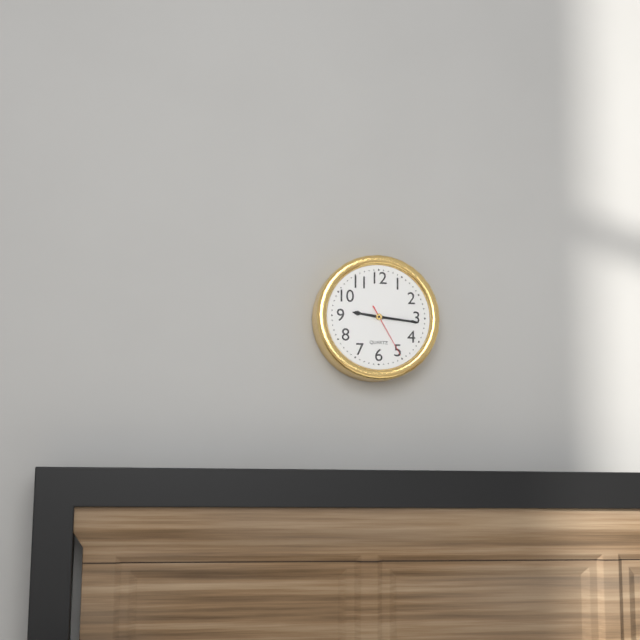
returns 9:16:25
